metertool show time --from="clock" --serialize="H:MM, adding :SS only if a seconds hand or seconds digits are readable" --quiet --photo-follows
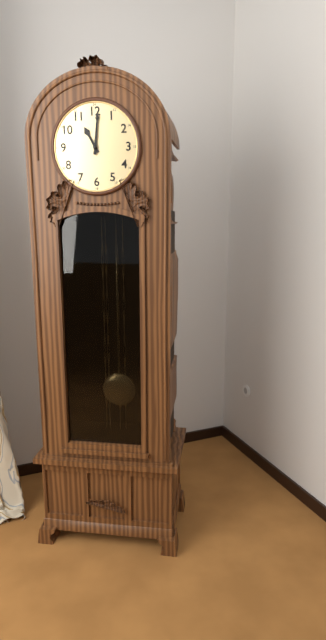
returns 11:01
